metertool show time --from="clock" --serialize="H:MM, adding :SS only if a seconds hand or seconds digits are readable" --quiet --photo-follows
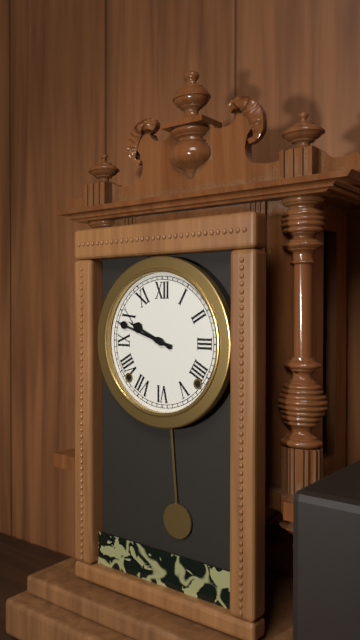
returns 9:48
